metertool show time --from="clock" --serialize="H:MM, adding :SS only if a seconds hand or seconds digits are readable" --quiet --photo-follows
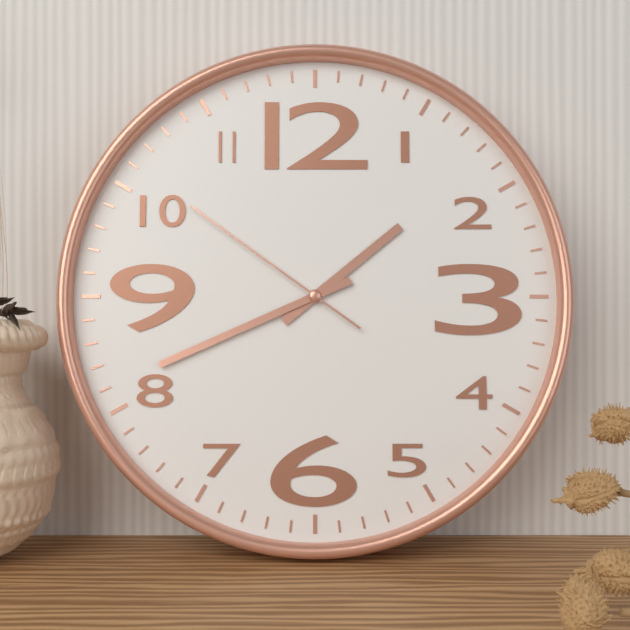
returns 1:41:51
